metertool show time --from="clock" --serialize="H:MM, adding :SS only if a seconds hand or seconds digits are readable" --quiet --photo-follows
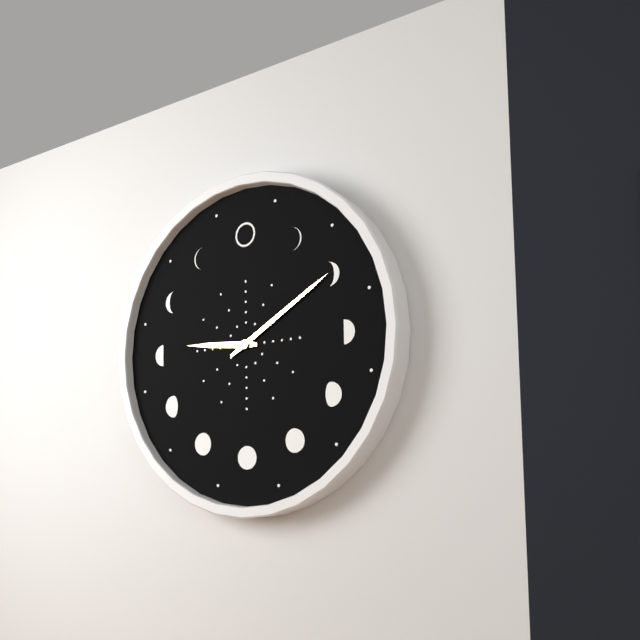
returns 9:10
